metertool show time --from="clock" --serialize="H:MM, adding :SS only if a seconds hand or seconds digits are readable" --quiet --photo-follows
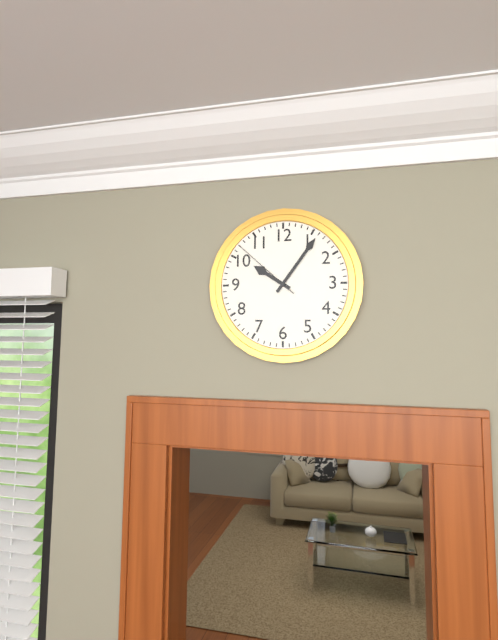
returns 10:06:52
